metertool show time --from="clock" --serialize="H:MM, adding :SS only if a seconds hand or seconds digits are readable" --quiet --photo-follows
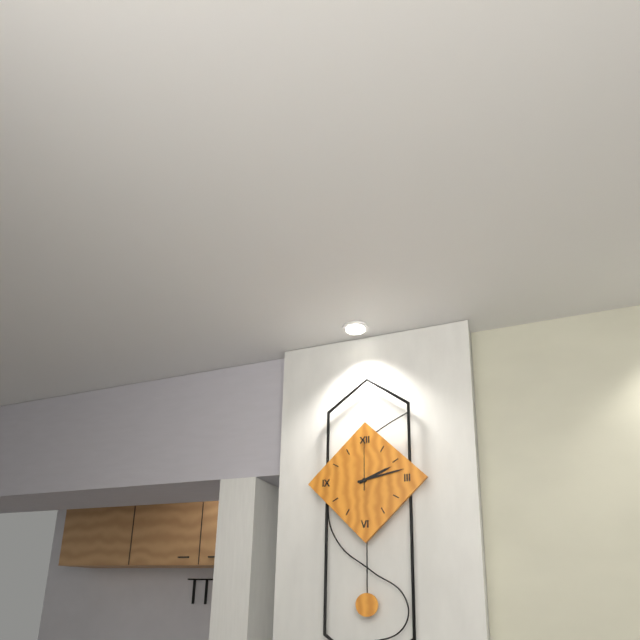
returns 2:13:00
